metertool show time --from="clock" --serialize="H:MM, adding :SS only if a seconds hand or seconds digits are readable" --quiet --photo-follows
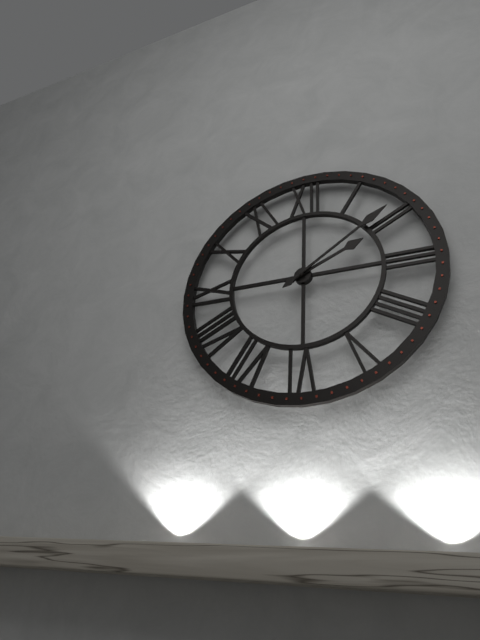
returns 2:09
